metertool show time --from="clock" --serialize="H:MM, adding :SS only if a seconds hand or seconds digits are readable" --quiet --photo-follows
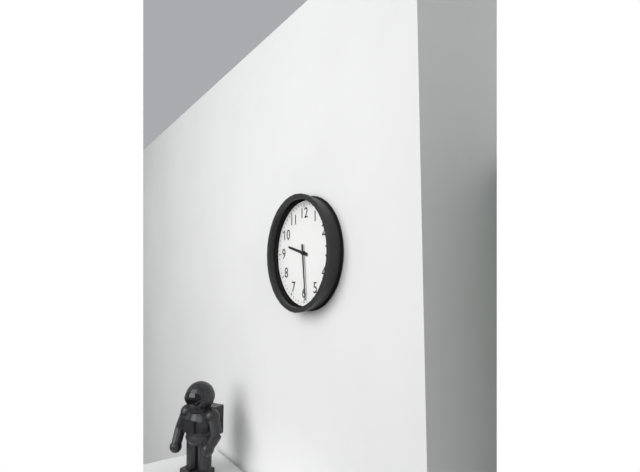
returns 9:29
